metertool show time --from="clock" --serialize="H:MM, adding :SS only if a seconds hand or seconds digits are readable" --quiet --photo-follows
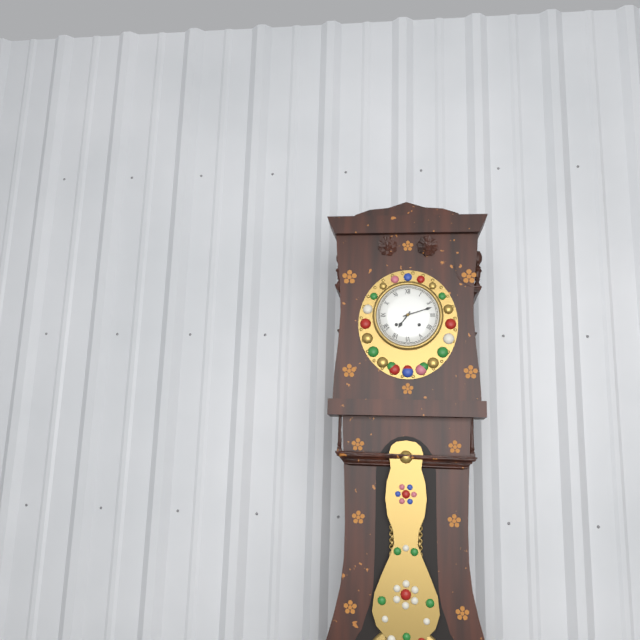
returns 7:12
